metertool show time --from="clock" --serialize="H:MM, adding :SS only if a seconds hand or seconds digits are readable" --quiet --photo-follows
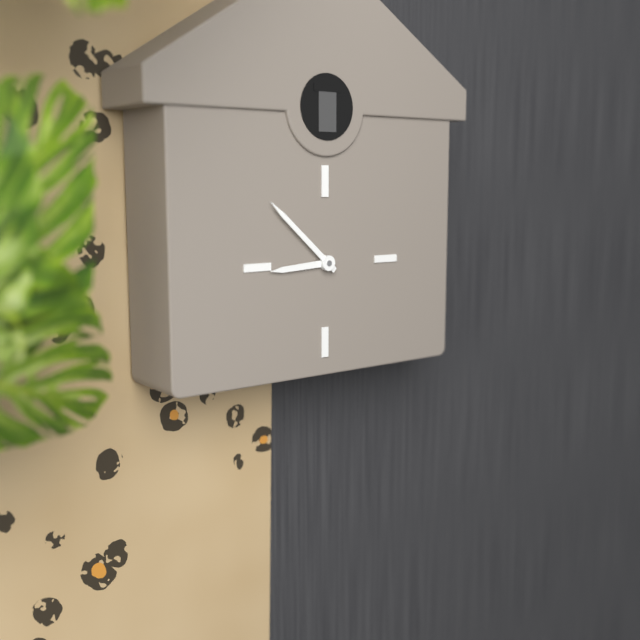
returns 8:52
